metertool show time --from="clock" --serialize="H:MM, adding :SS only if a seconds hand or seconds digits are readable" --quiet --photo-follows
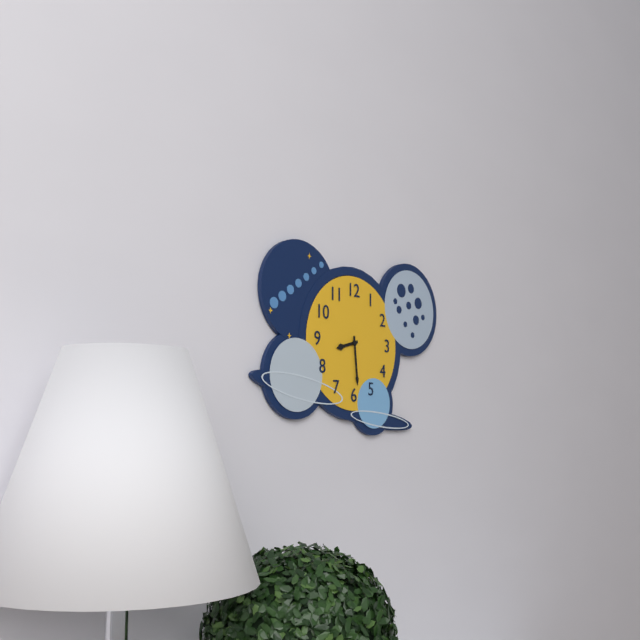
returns 8:29
